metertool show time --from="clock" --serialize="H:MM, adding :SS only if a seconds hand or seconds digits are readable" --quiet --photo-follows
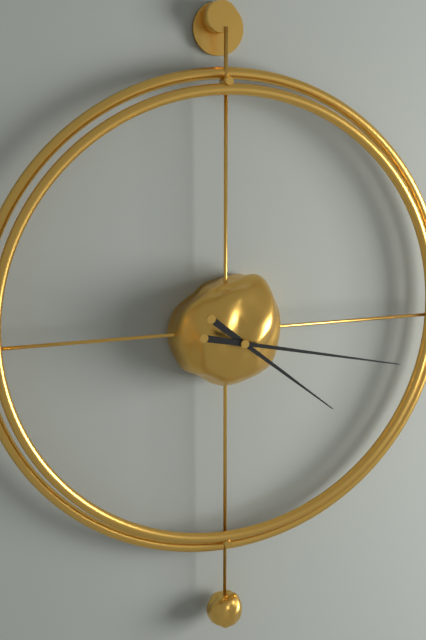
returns 4:17
